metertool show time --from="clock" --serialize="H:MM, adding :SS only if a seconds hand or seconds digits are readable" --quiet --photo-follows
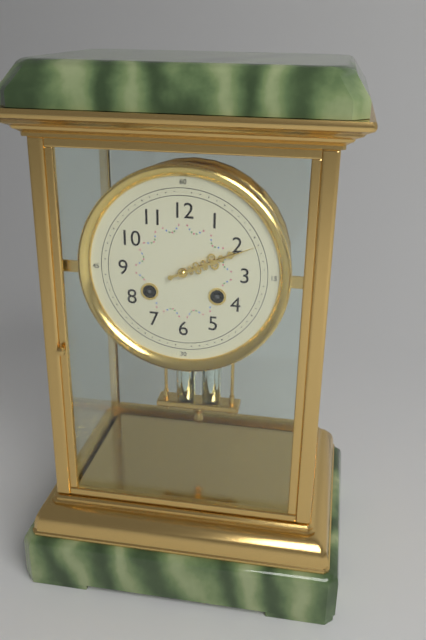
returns 2:11
